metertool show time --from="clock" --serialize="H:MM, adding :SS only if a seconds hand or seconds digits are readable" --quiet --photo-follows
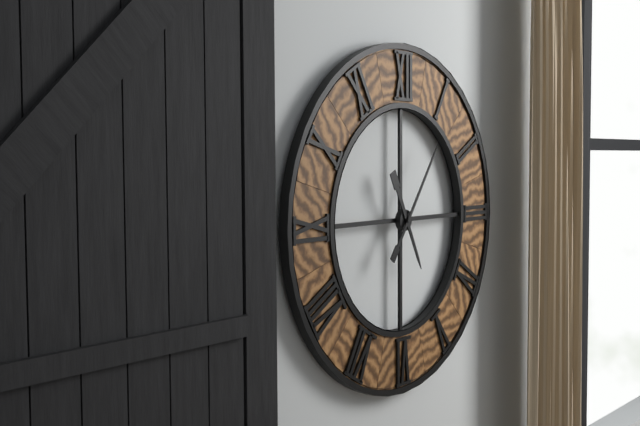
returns 5:06
